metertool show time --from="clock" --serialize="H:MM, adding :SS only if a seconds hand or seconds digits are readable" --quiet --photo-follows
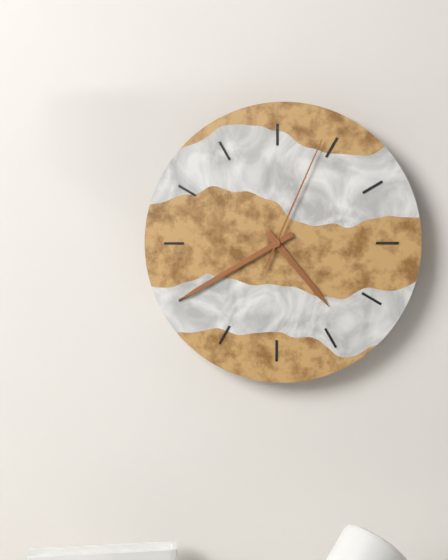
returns 4:40:04
